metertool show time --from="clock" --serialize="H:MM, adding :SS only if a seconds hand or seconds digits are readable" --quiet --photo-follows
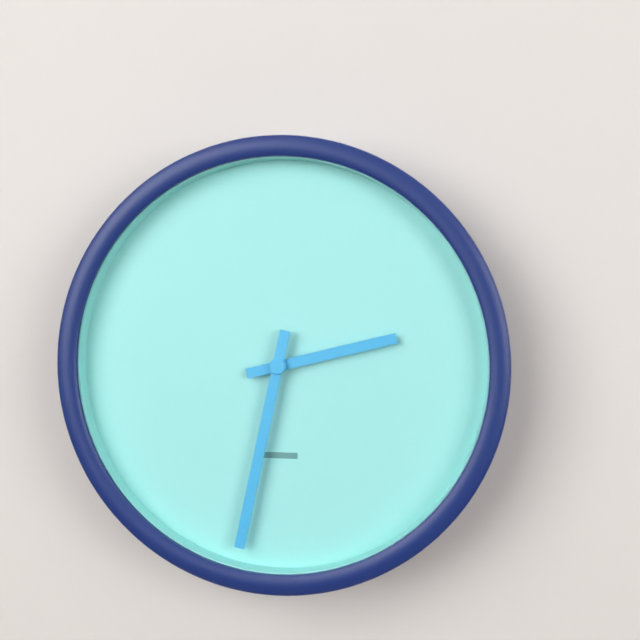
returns 2:32
